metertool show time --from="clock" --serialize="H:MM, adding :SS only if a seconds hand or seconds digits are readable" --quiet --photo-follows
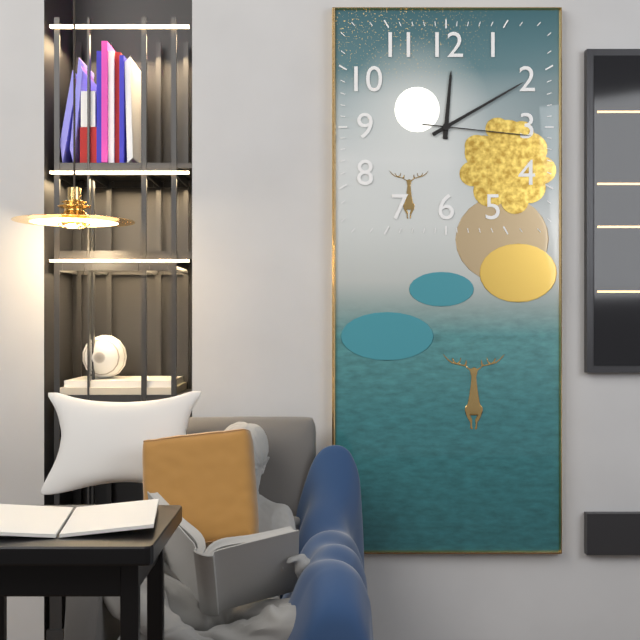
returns 12:10:16
